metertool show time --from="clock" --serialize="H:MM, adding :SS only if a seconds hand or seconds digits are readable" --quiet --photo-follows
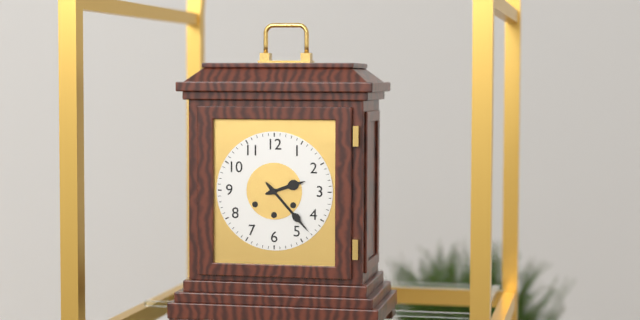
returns 2:23
